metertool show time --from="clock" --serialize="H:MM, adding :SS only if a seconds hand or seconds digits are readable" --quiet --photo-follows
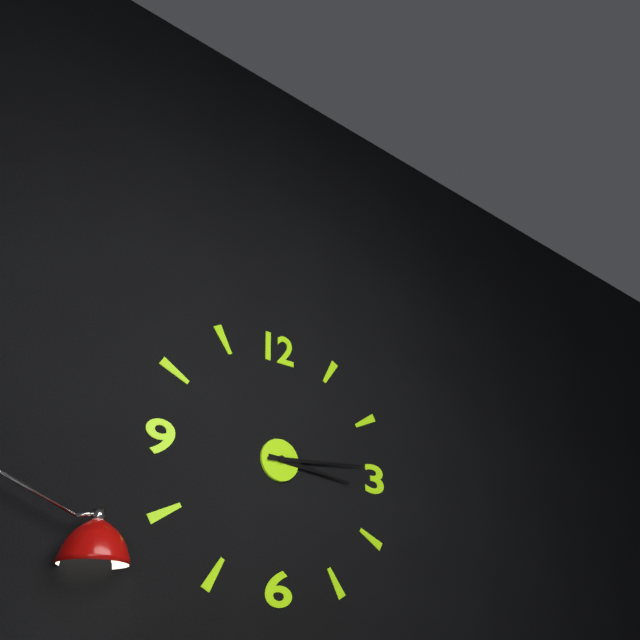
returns 3:14
